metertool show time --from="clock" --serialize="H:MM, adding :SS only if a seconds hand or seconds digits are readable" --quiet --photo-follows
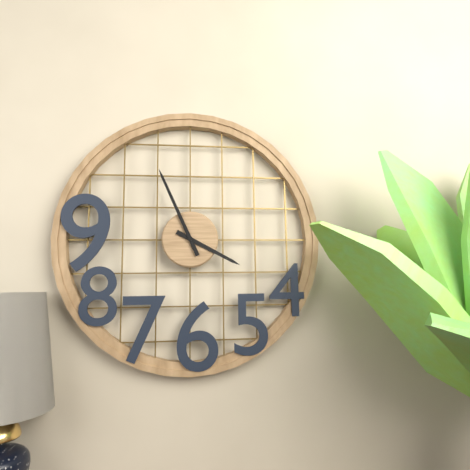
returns 3:56
